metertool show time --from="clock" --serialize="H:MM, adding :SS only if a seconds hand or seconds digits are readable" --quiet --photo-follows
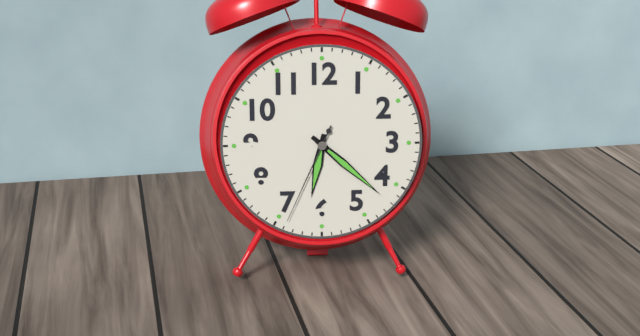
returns 6:22:34
